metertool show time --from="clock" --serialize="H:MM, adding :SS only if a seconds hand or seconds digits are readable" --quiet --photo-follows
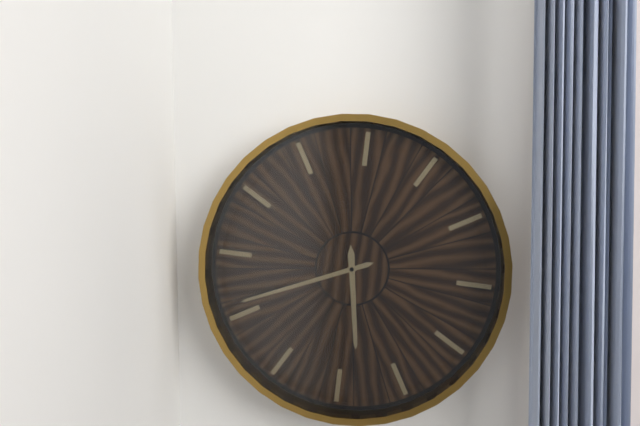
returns 5:41
